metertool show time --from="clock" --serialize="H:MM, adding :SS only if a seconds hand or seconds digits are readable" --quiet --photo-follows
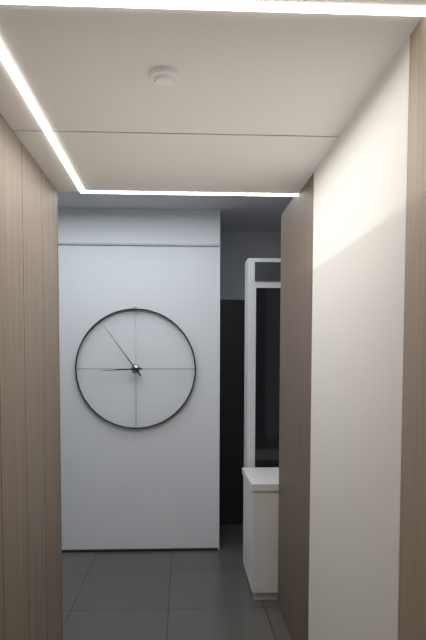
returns 8:54
